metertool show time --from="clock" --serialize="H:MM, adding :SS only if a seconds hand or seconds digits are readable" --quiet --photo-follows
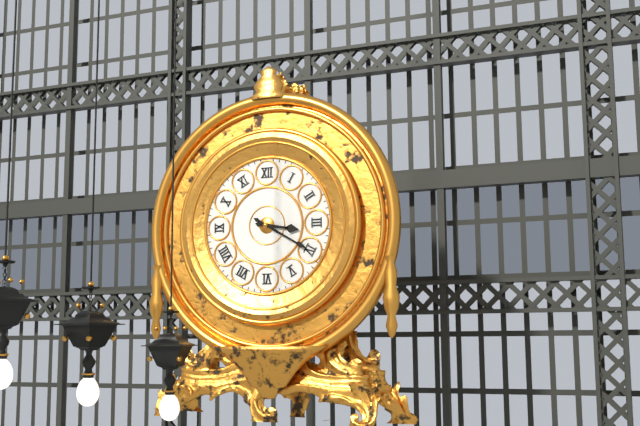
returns 3:20
